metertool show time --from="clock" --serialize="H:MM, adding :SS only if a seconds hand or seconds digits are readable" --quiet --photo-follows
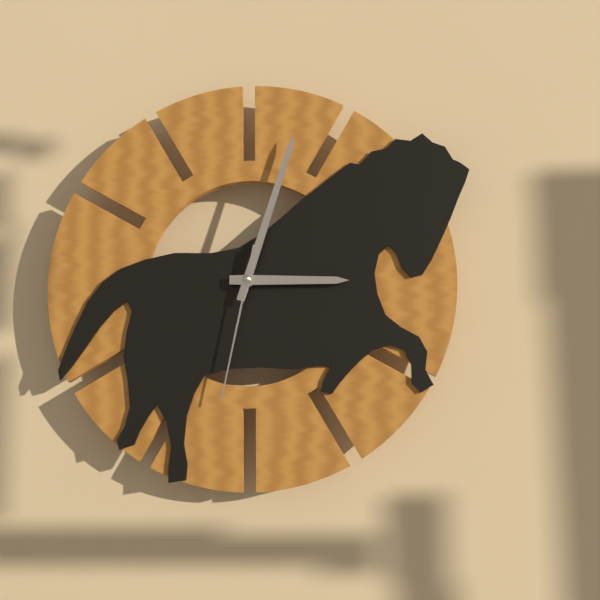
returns 3:03:32
